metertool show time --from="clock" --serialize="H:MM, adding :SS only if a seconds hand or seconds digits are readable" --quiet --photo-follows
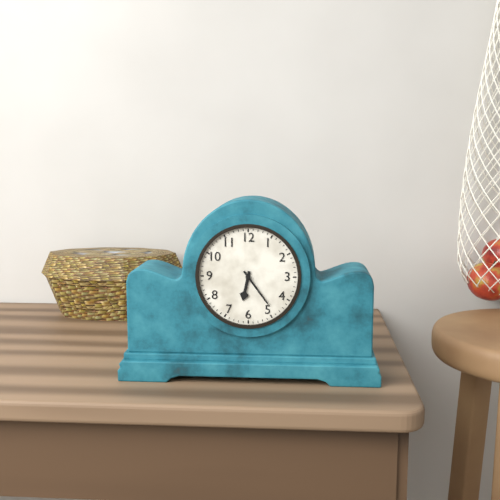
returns 6:24
